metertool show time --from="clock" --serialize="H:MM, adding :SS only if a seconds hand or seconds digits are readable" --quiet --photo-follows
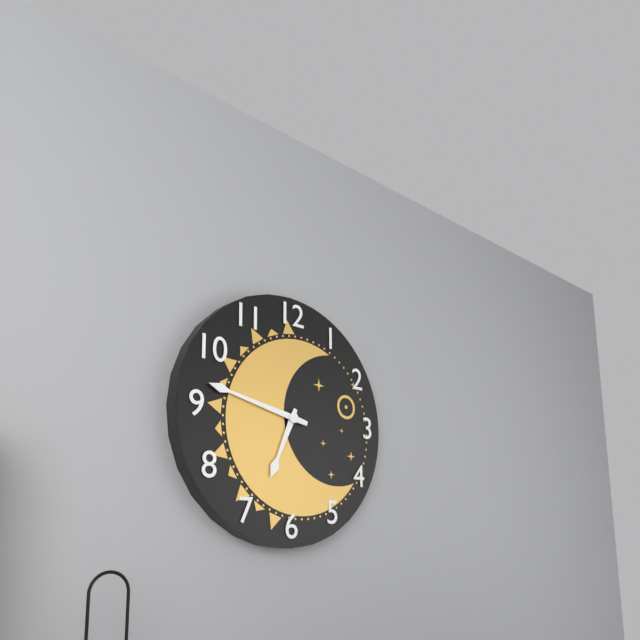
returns 6:47
